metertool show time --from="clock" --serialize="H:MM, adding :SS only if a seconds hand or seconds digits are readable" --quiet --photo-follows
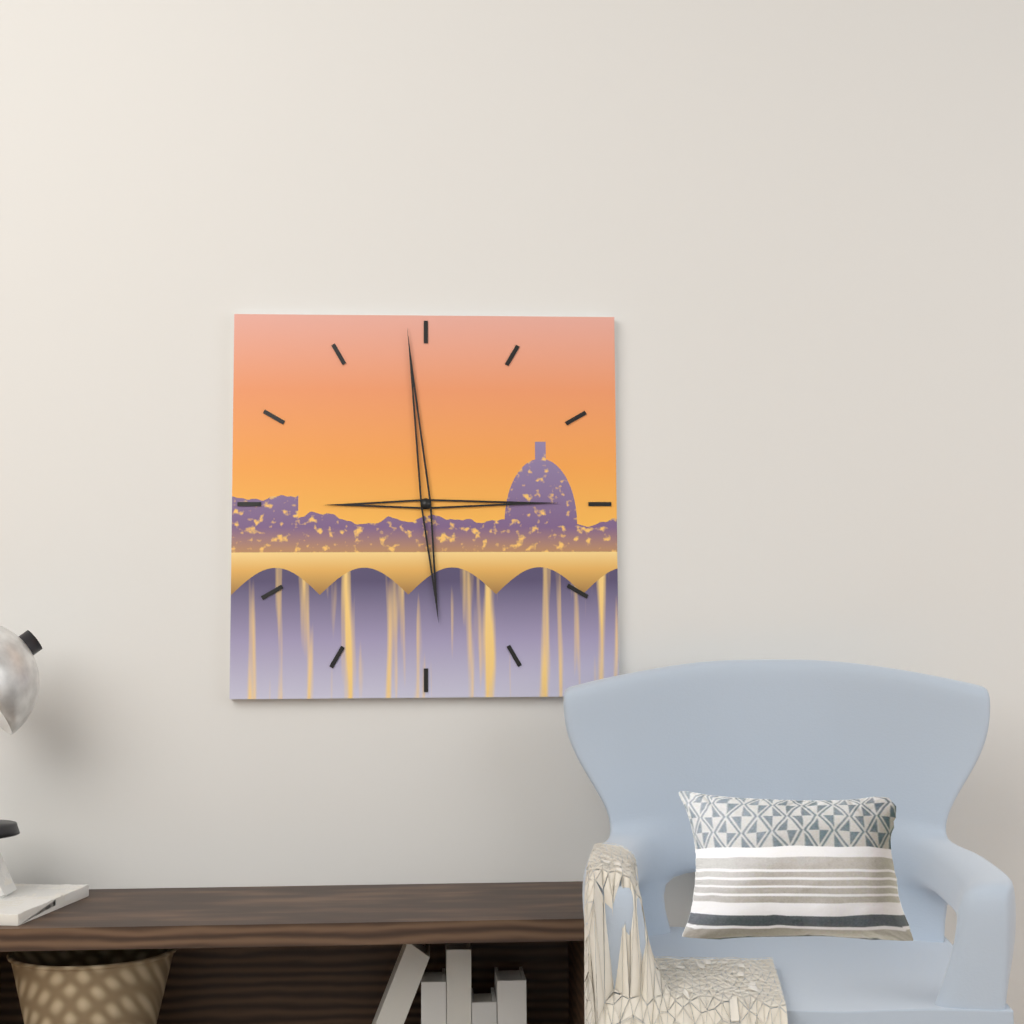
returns 2:59
